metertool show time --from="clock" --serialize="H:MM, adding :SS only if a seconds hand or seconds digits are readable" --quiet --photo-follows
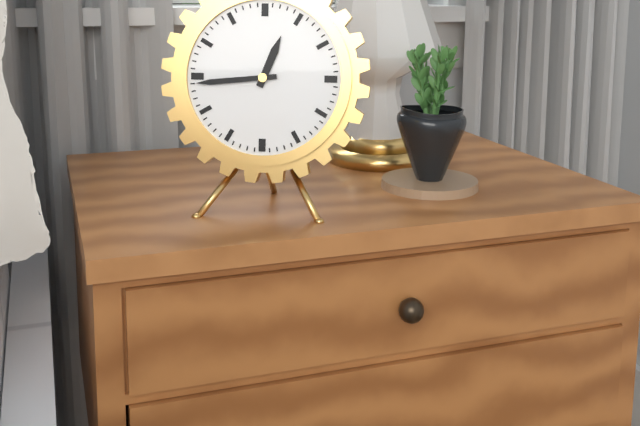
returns 12:44
